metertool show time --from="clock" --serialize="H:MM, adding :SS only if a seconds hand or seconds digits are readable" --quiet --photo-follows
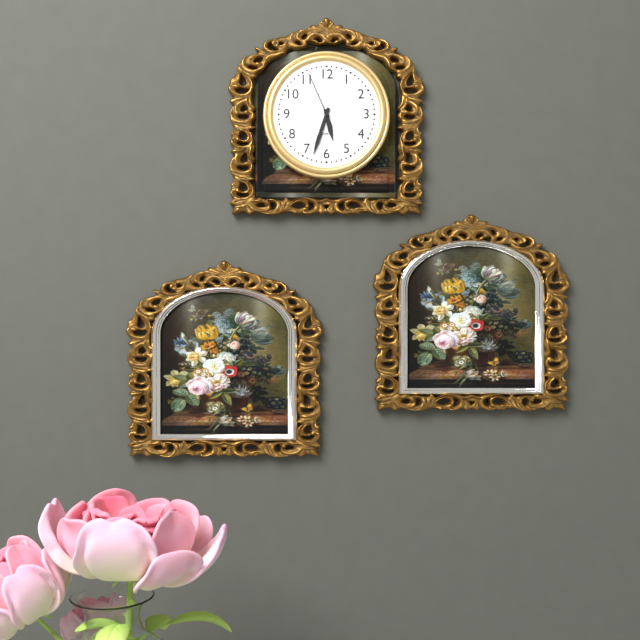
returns 5:33:56
